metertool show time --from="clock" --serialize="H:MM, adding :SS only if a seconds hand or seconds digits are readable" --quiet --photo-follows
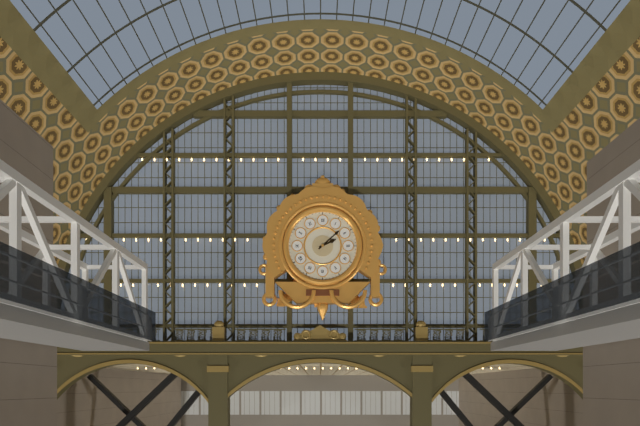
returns 2:08
